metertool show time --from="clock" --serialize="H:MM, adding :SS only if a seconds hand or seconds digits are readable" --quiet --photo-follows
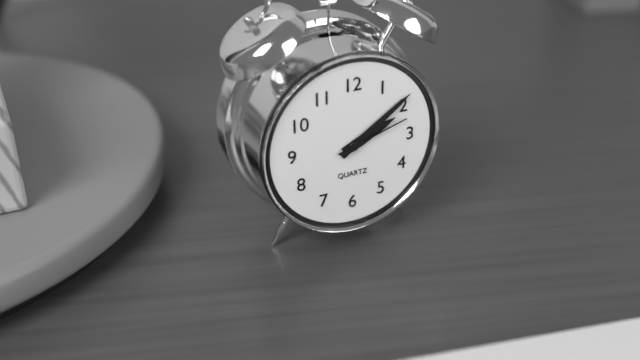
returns 2:09:12
